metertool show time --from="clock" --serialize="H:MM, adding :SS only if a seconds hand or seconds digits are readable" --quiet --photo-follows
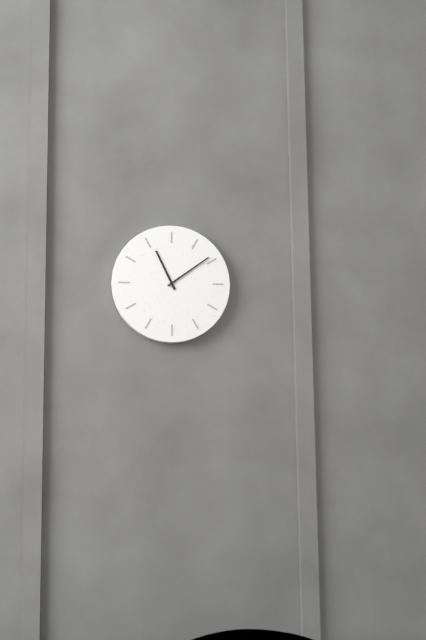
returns 11:09
